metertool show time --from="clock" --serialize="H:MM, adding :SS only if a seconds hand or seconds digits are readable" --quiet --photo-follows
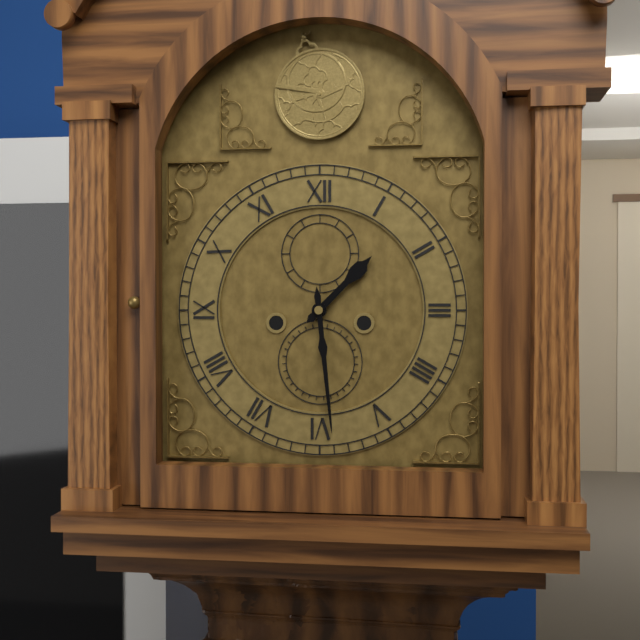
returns 1:29
